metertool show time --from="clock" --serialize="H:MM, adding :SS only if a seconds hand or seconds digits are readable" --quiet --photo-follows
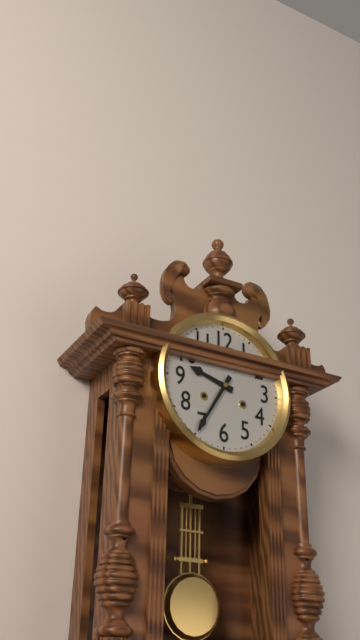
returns 9:35
